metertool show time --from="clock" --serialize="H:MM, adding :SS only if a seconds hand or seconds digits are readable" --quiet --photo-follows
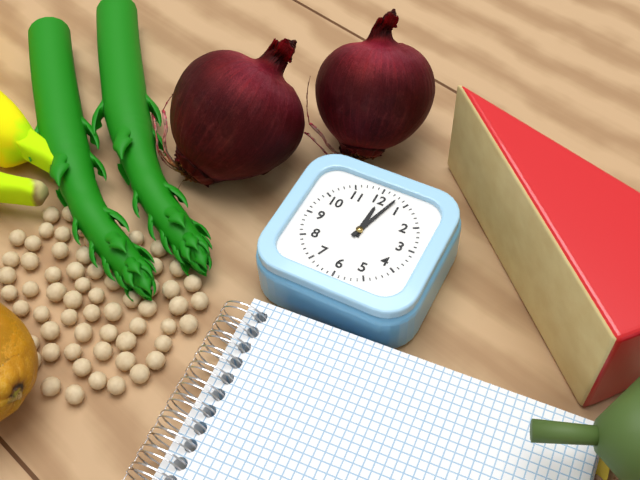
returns 12:03
